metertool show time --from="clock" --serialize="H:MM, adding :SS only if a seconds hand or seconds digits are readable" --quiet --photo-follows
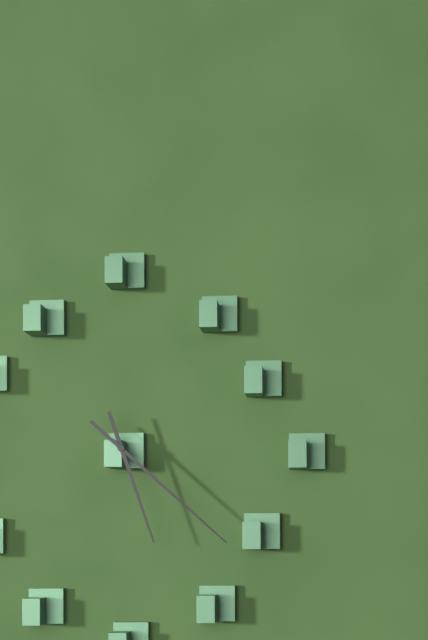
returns 5:22
